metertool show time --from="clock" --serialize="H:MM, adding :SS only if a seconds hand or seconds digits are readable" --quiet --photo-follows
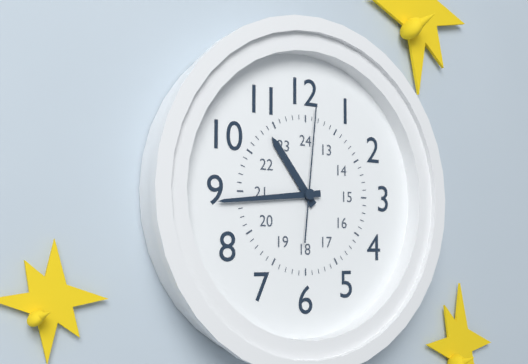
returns 10:44:01
